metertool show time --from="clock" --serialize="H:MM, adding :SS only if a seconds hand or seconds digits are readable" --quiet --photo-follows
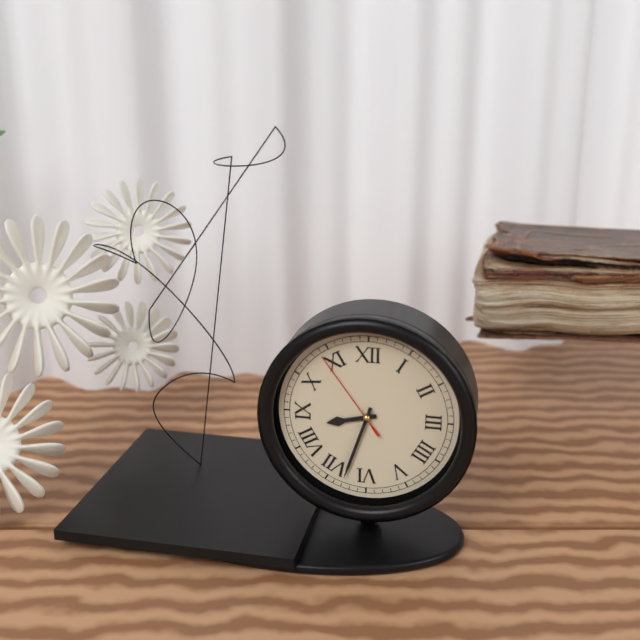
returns 8:33:54
